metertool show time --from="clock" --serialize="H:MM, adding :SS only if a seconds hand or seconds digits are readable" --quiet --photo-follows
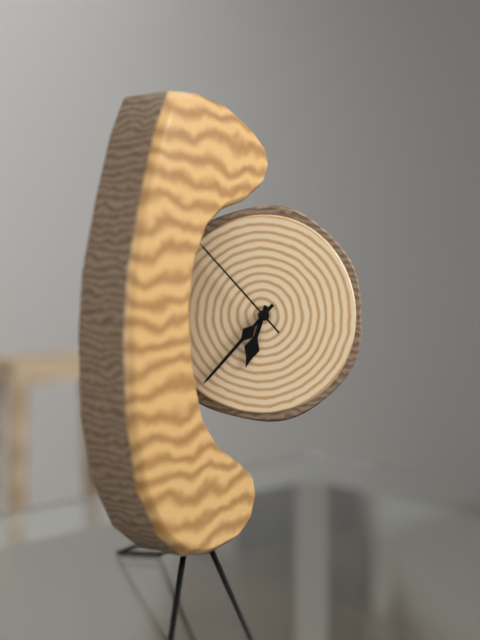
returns 6:37:53
